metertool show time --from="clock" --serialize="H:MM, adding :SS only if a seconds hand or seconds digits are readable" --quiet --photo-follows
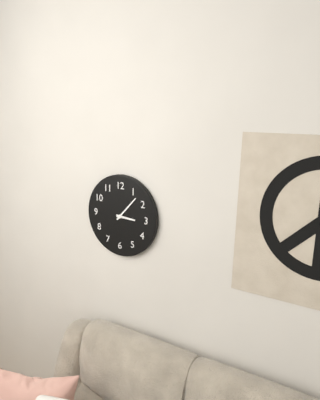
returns 3:07
